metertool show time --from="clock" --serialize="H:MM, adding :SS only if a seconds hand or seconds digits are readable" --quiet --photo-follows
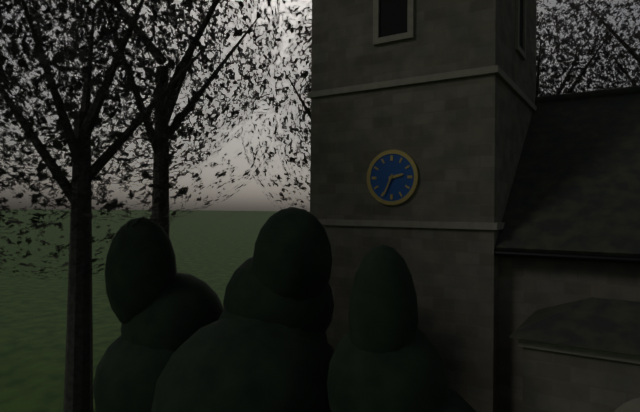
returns 2:34
